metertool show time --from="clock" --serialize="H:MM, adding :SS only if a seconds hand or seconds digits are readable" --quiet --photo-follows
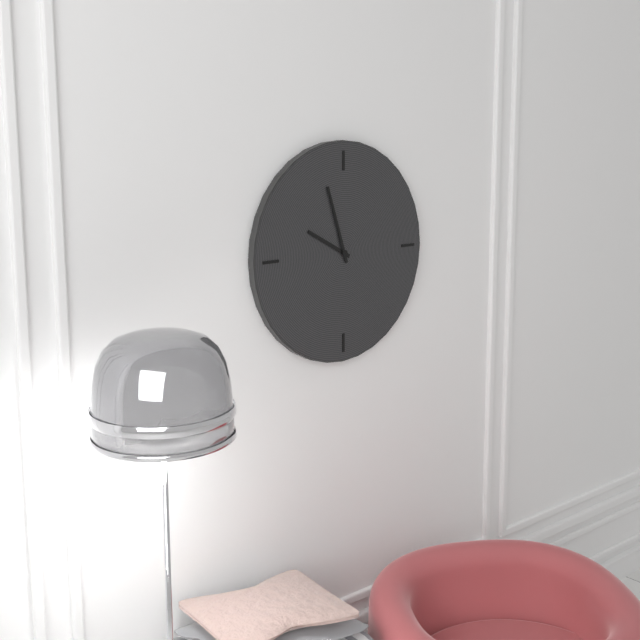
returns 9:57
